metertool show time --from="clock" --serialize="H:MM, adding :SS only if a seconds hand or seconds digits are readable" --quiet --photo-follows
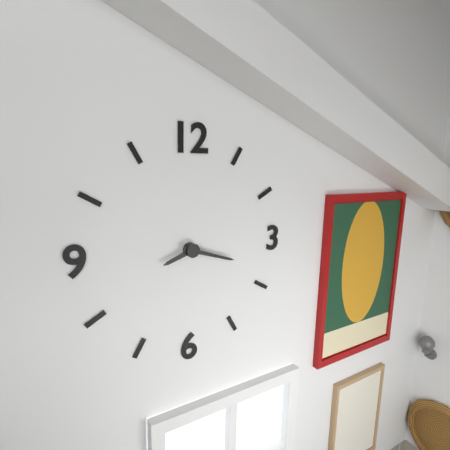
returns 8:18
